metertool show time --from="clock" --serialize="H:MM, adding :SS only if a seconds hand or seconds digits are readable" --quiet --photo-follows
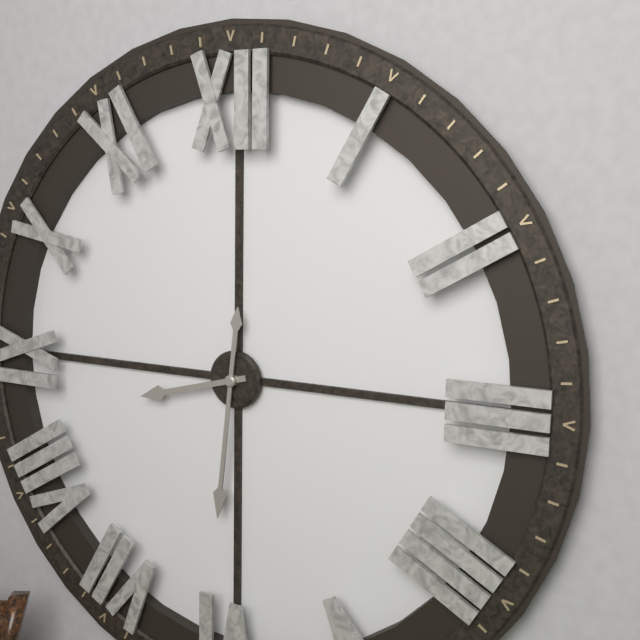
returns 8:31
